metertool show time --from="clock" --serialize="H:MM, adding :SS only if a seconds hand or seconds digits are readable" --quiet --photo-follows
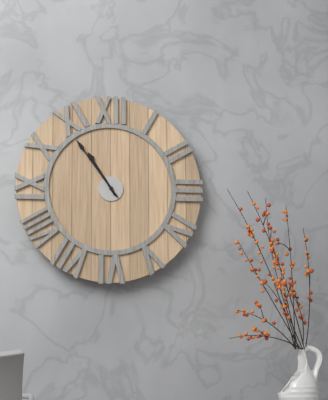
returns 10:54
